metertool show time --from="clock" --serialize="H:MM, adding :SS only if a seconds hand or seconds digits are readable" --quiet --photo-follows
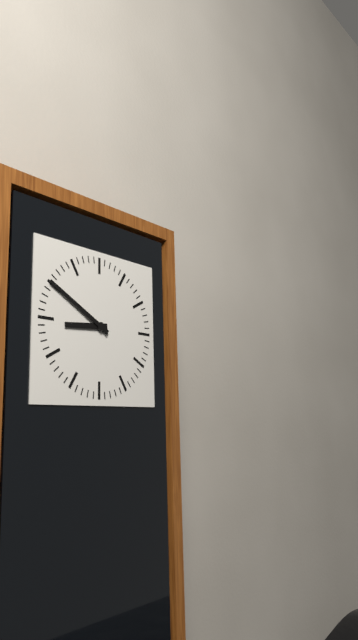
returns 8:50
